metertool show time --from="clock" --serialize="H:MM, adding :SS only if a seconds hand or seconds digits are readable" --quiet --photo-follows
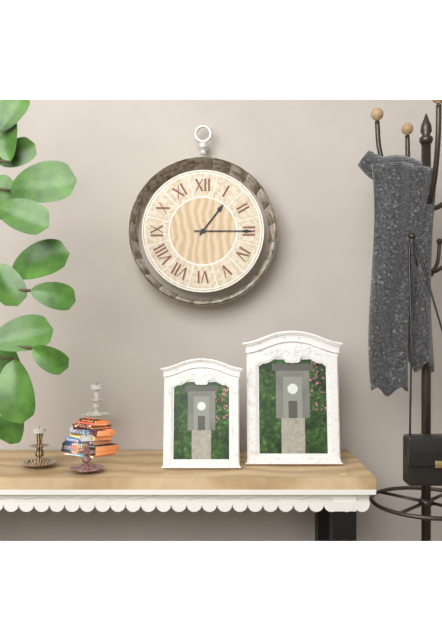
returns 1:15
